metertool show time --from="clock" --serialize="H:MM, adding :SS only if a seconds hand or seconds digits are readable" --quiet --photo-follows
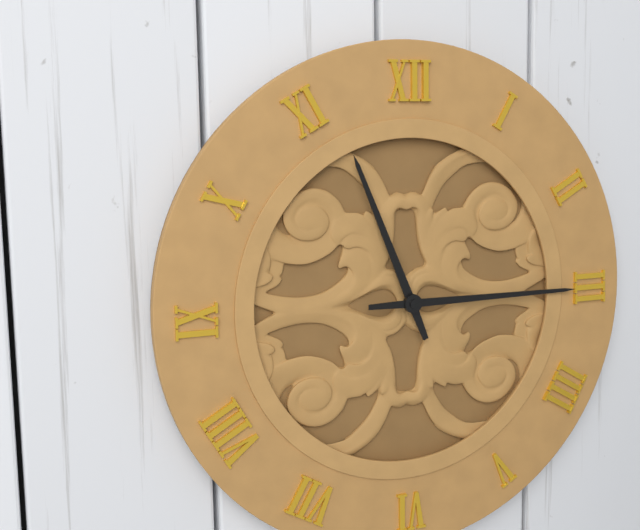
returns 11:15
